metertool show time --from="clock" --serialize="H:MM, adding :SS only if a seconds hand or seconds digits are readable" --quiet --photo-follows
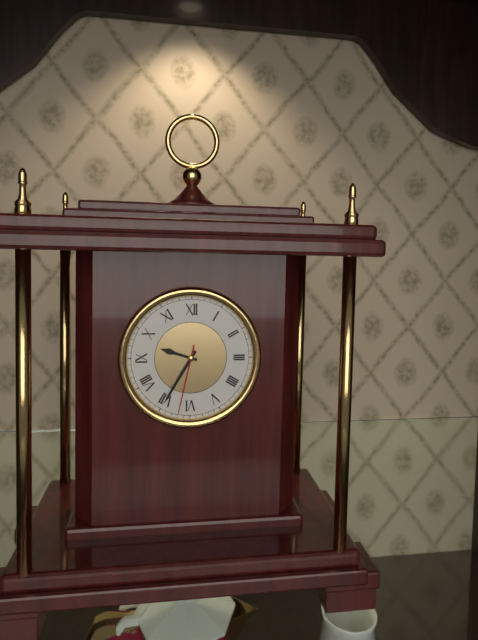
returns 9:35:32
